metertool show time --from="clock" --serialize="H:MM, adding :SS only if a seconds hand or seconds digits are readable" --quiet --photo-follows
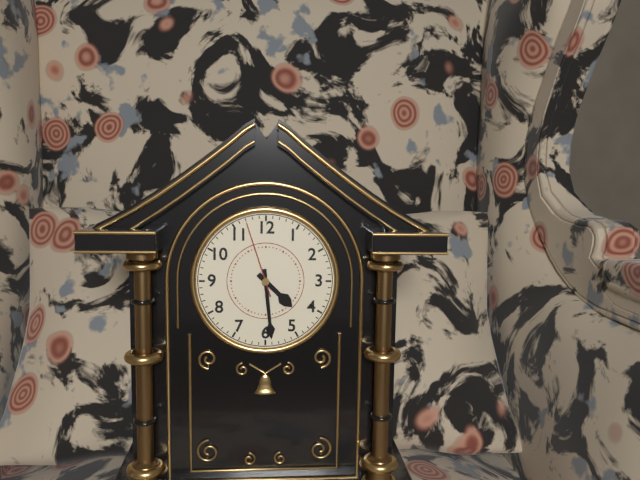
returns 4:29:57
